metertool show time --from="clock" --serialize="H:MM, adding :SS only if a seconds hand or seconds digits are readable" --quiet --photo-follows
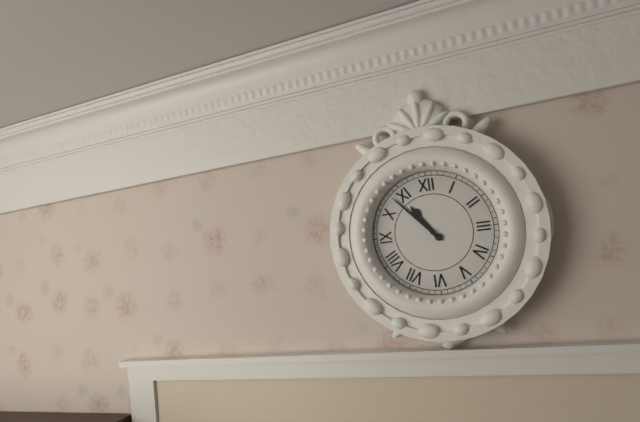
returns 10:53
